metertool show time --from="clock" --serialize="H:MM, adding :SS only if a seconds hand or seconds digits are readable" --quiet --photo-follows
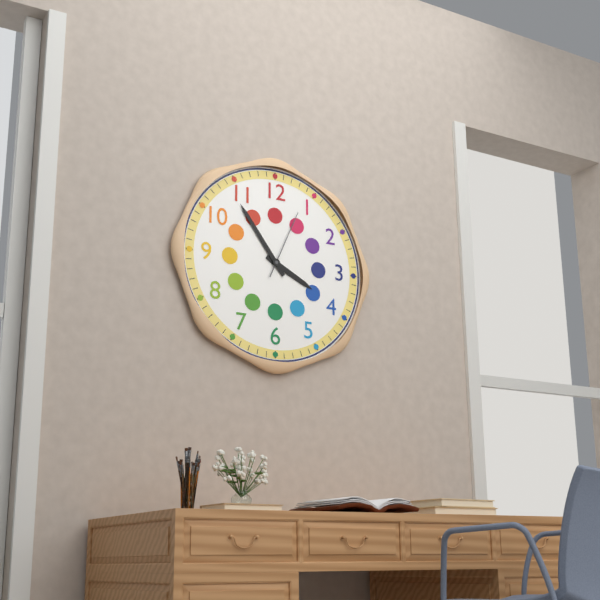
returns 3:54:04
